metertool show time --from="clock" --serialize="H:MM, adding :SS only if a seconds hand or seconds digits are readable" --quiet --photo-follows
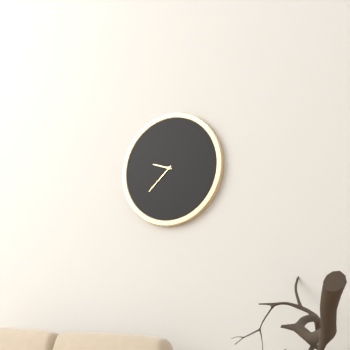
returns 9:38
